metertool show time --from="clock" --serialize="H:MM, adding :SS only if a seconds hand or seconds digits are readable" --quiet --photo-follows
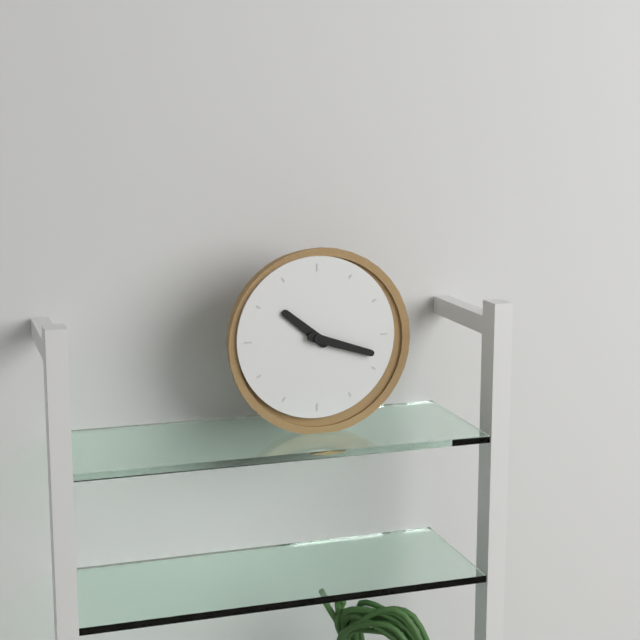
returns 10:18
